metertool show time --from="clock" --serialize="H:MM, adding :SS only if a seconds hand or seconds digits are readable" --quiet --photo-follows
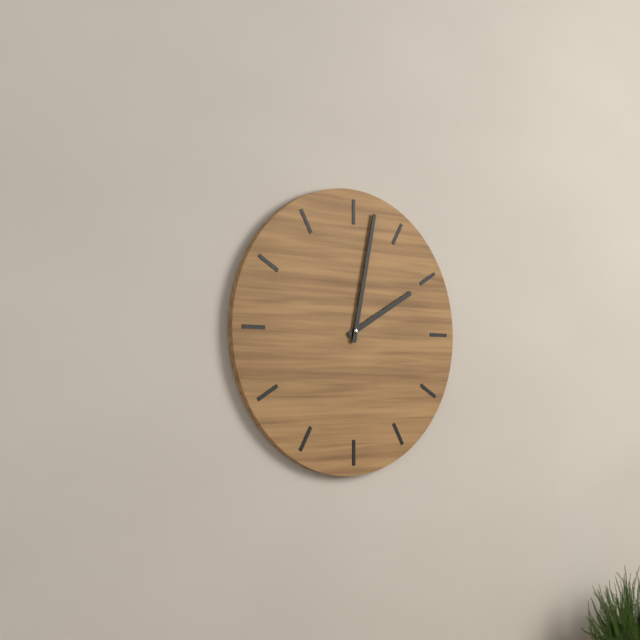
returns 2:02
